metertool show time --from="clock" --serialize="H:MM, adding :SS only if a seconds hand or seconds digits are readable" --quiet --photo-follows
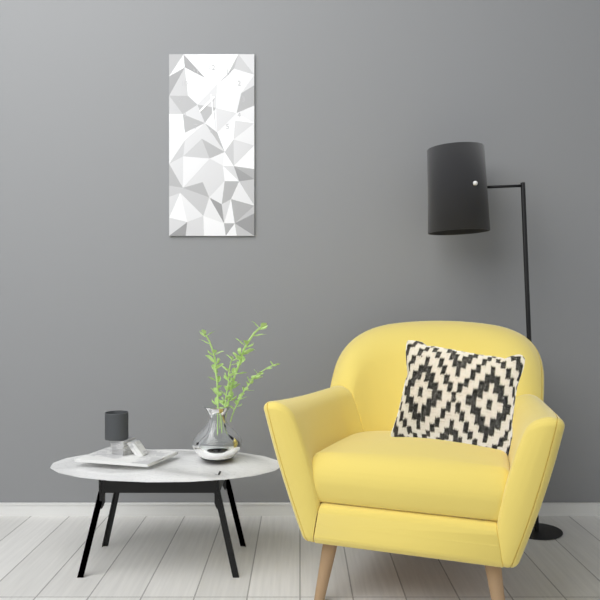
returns 7:29
